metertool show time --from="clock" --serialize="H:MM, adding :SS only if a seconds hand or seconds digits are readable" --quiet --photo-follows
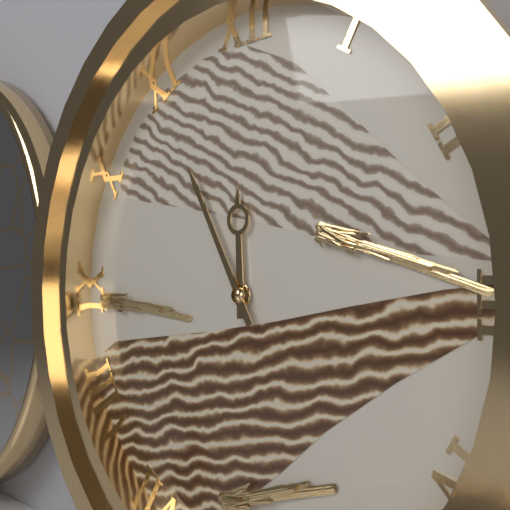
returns 11:55
